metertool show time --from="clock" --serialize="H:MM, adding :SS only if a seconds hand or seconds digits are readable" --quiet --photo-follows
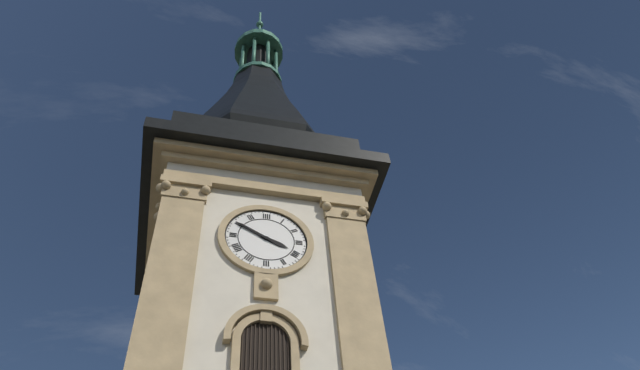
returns 3:50
